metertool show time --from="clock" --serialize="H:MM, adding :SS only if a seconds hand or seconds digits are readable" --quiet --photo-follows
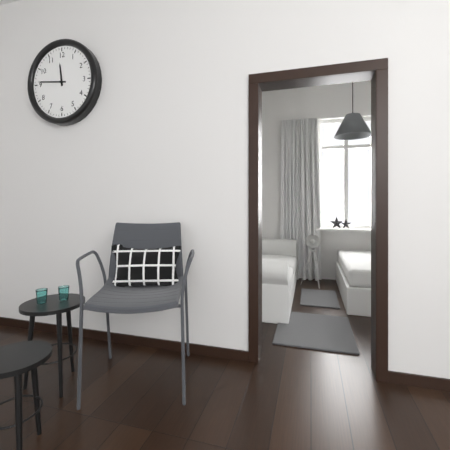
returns 11:46
